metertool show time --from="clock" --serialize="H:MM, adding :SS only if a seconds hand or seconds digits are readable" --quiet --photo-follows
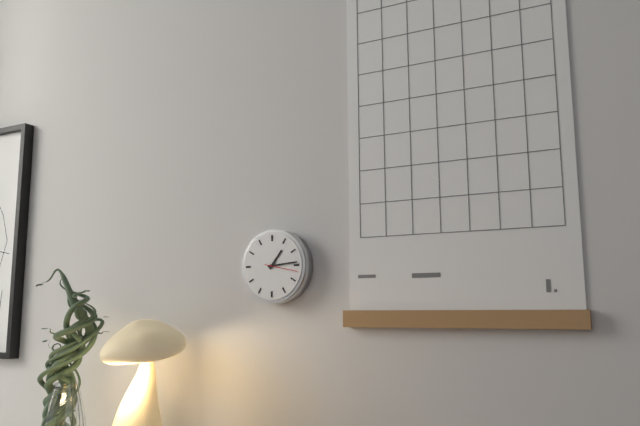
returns 1:14
